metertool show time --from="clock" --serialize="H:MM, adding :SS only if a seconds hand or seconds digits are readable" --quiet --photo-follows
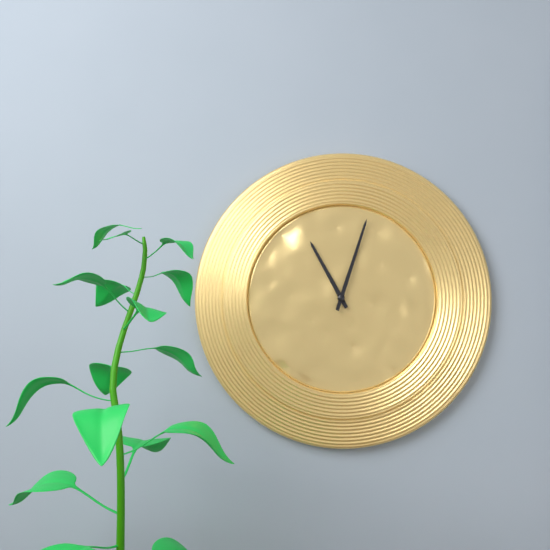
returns 11:03
